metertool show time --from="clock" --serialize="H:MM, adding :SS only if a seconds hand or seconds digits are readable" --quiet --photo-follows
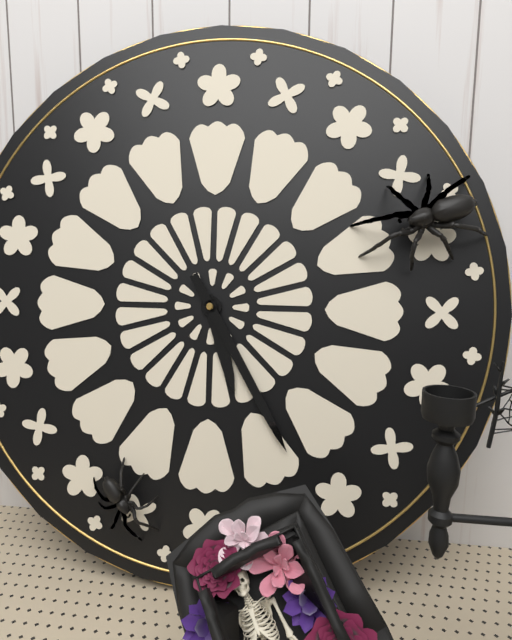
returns 5:25
